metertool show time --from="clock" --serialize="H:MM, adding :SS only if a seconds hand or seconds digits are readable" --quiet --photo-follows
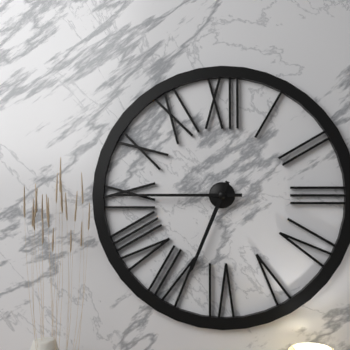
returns 6:45
